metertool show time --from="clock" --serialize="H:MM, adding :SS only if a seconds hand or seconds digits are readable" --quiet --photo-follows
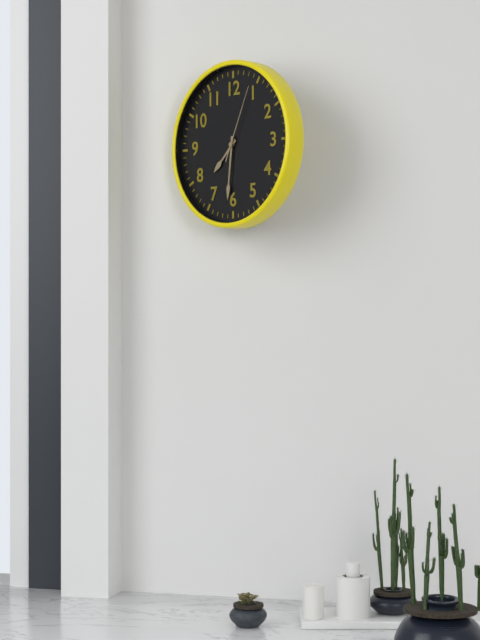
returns 7:31:04
